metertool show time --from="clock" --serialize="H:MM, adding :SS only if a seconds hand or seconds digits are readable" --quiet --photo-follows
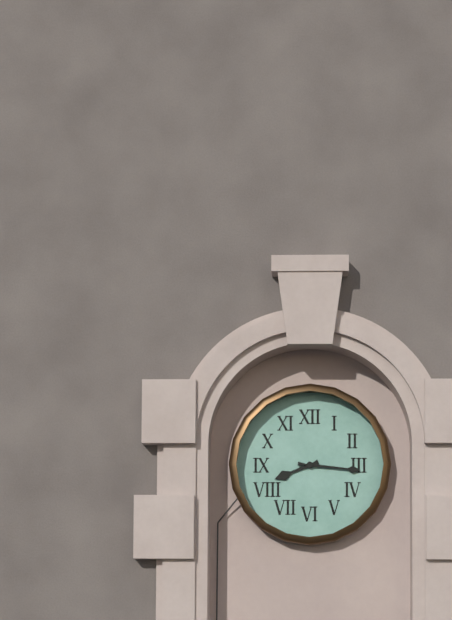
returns 8:16
